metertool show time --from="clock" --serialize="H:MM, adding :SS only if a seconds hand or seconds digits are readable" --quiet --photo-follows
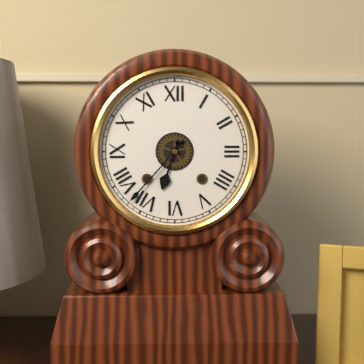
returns 6:37
